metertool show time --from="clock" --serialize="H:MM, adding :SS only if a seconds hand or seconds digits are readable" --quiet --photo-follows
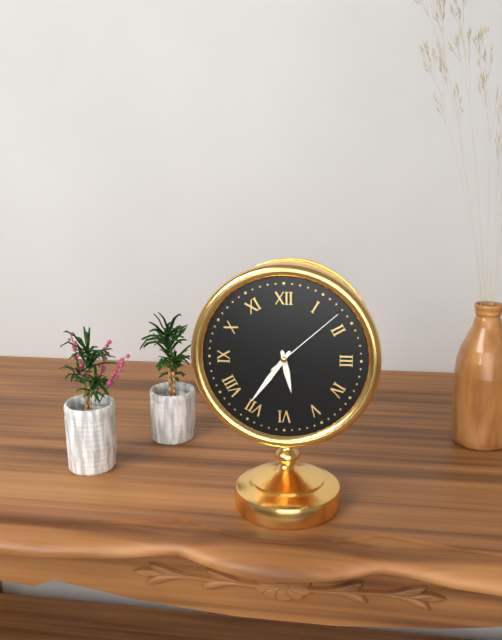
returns 5:36:08
